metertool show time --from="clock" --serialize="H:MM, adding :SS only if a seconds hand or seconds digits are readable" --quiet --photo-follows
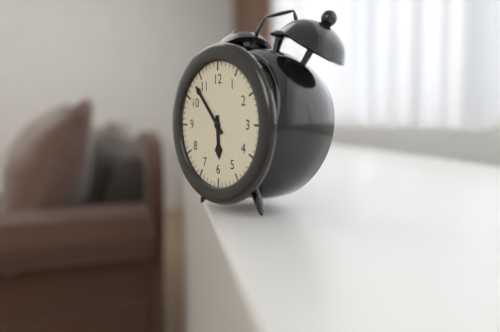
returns 5:53
